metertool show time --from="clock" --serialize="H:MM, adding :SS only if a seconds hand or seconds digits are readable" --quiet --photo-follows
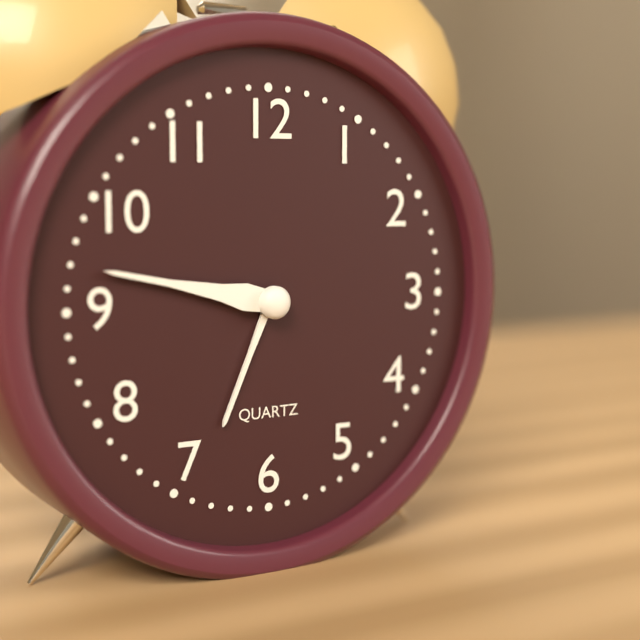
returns 6:47
